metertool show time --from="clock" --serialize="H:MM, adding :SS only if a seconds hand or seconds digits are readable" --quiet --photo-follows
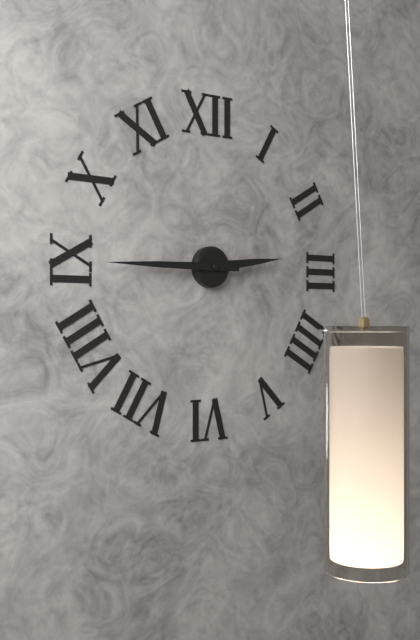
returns 2:45
